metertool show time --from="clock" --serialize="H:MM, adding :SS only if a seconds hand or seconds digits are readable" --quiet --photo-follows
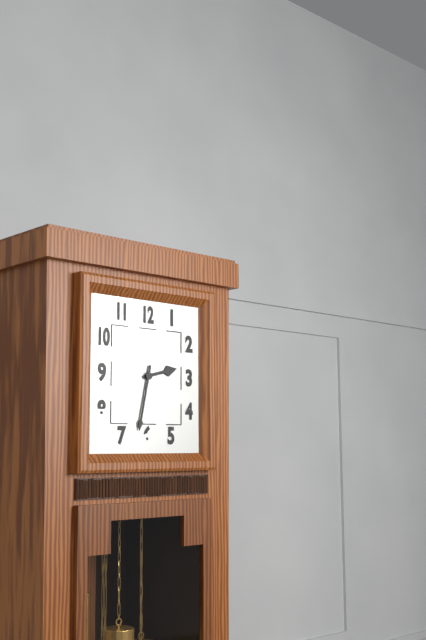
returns 2:32
